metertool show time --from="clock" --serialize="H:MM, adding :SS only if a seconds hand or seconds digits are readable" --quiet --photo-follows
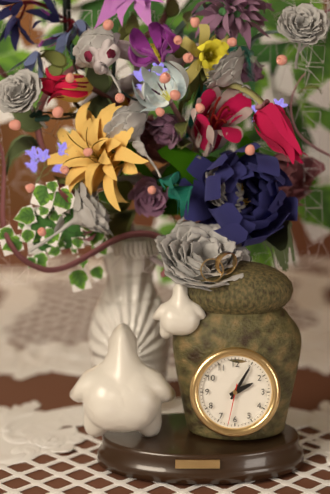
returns 2:05
